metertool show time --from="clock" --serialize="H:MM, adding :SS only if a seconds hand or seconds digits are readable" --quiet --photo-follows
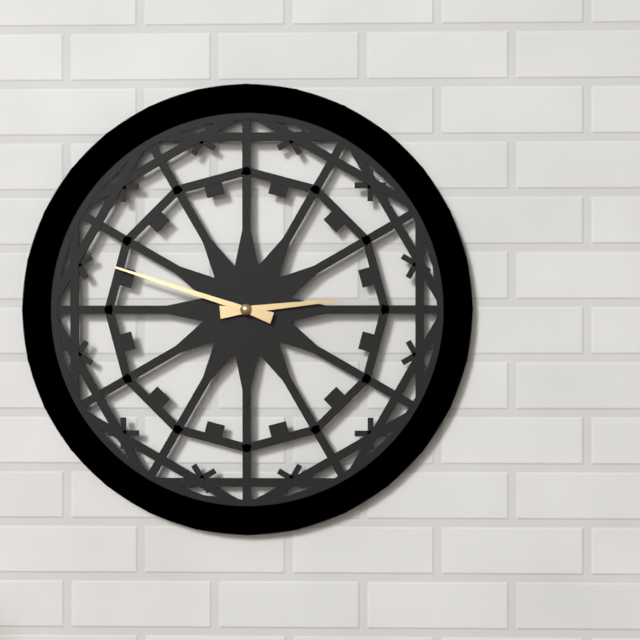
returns 2:48
